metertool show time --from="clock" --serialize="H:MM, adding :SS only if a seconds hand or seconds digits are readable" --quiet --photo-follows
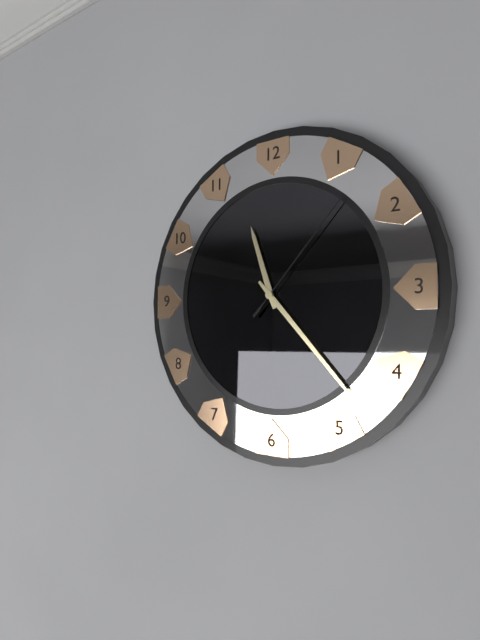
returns 11:23:07
